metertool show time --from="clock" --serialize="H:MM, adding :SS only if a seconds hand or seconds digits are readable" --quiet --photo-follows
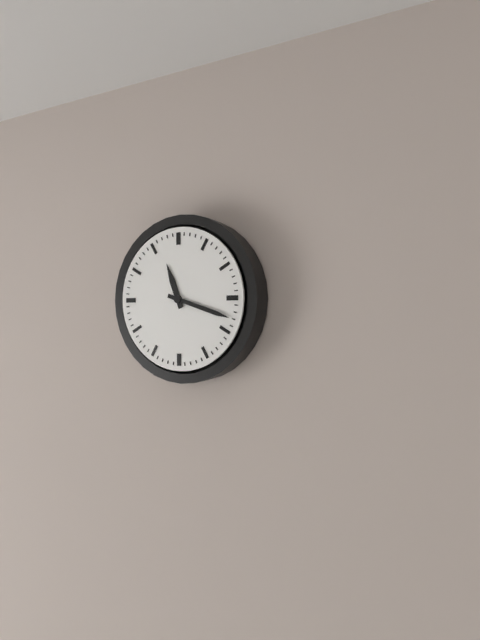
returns 11:18
